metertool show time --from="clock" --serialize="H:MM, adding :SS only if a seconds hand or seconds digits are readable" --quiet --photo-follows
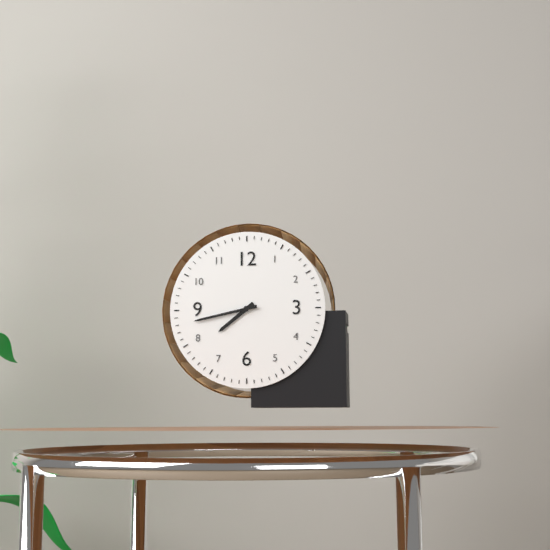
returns 7:43
